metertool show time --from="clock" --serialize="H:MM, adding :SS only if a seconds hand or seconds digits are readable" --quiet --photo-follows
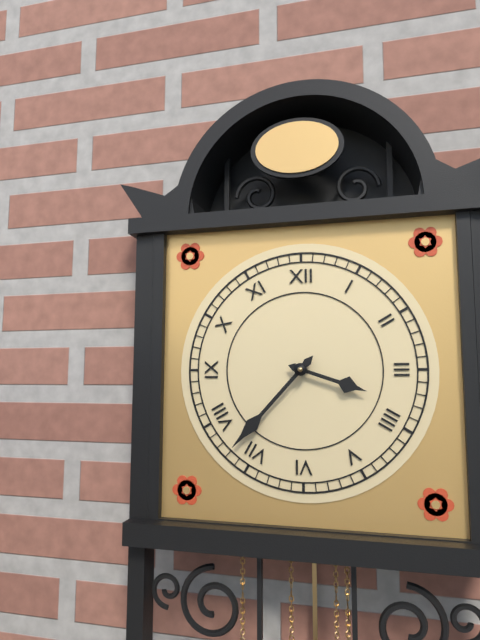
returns 3:37
